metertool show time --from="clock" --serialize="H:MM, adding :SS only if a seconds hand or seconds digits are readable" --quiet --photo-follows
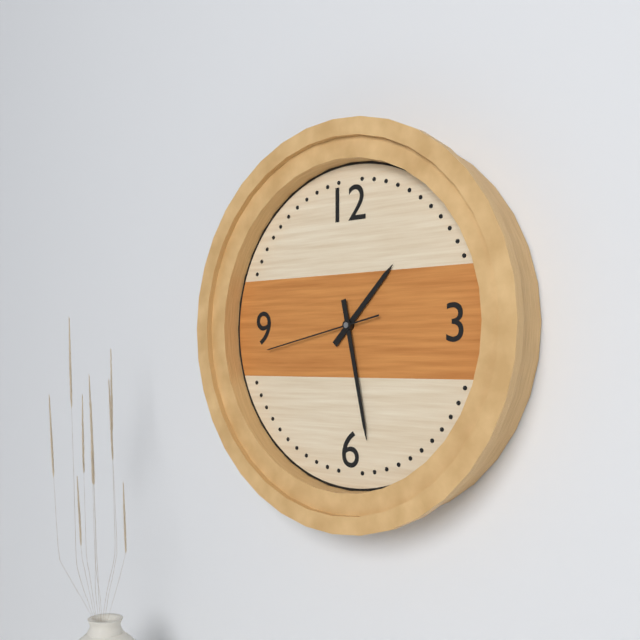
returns 1:28:43
